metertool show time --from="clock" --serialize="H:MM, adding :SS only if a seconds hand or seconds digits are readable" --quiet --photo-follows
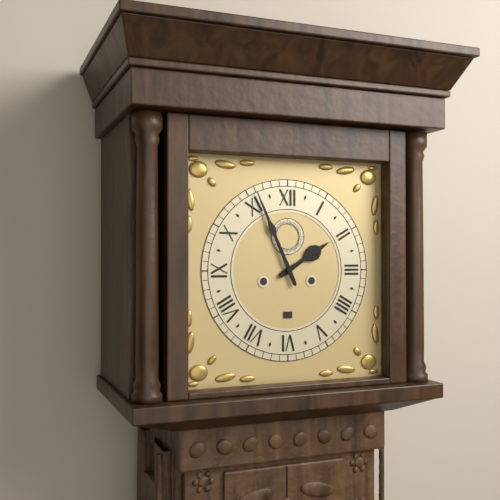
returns 1:56
